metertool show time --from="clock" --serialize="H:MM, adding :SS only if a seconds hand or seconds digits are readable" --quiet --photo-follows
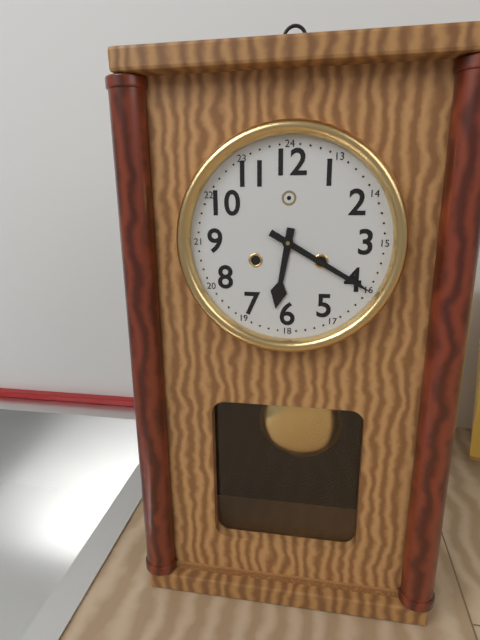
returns 6:20
